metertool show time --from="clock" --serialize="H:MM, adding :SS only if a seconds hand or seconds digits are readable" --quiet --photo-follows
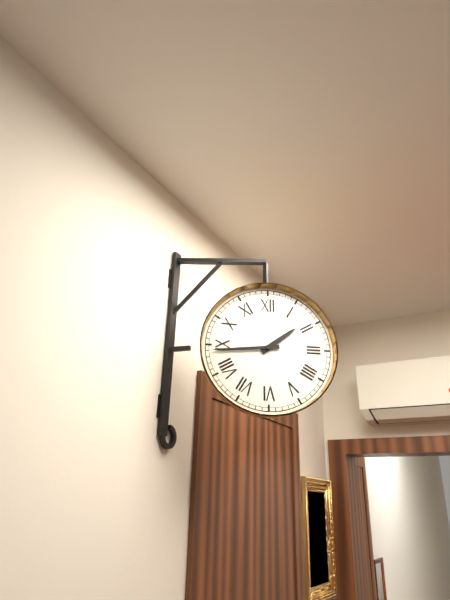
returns 1:44
